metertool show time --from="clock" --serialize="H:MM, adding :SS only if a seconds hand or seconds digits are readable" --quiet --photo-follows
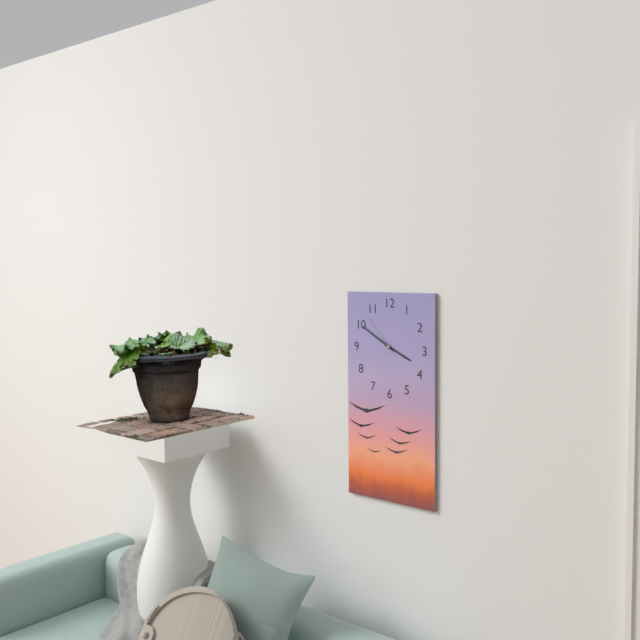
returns 3:50
